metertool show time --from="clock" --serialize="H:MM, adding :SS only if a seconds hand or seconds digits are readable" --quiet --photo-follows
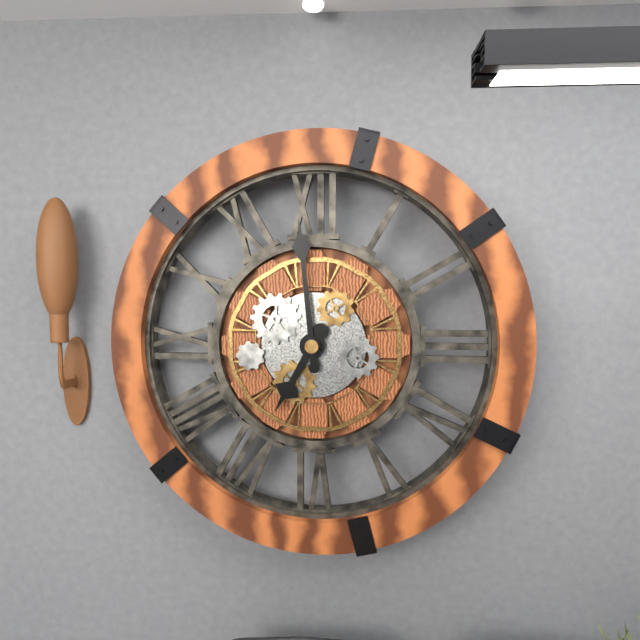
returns 6:59
